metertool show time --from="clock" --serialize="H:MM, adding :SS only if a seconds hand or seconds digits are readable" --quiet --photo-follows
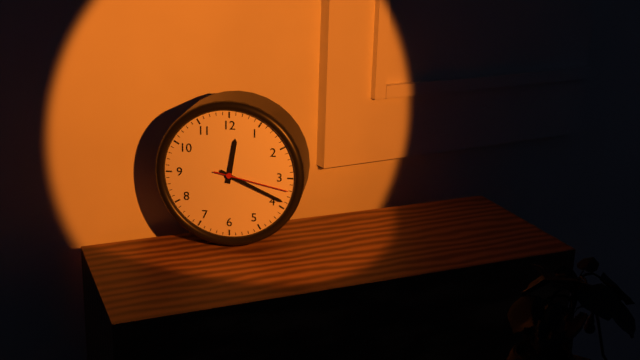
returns 12:19:17
